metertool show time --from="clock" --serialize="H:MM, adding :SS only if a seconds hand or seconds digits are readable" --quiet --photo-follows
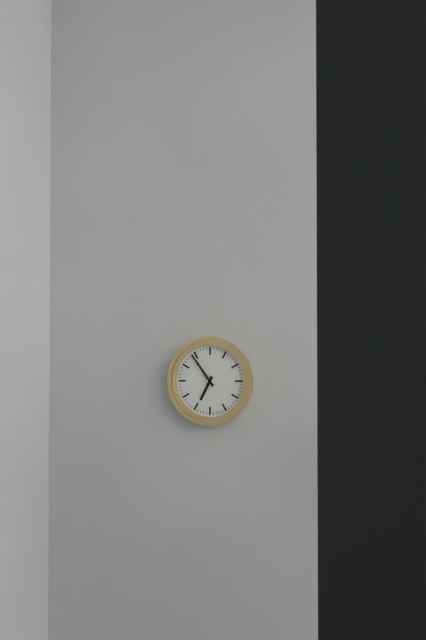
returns 6:54
